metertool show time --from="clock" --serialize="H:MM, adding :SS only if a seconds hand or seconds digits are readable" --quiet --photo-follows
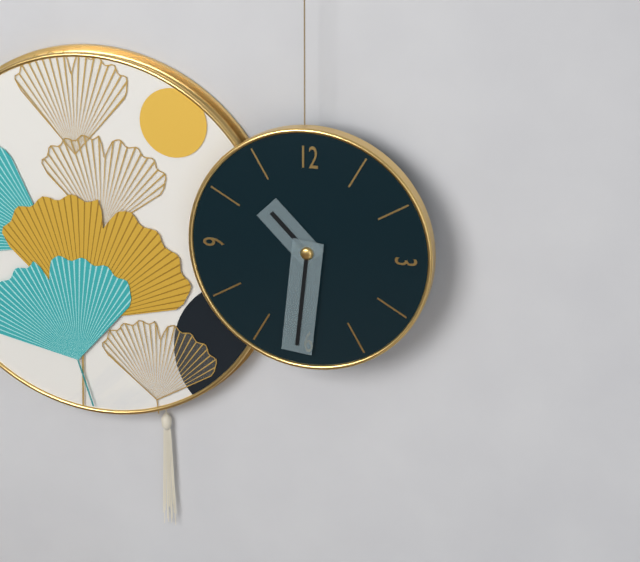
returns 10:31
